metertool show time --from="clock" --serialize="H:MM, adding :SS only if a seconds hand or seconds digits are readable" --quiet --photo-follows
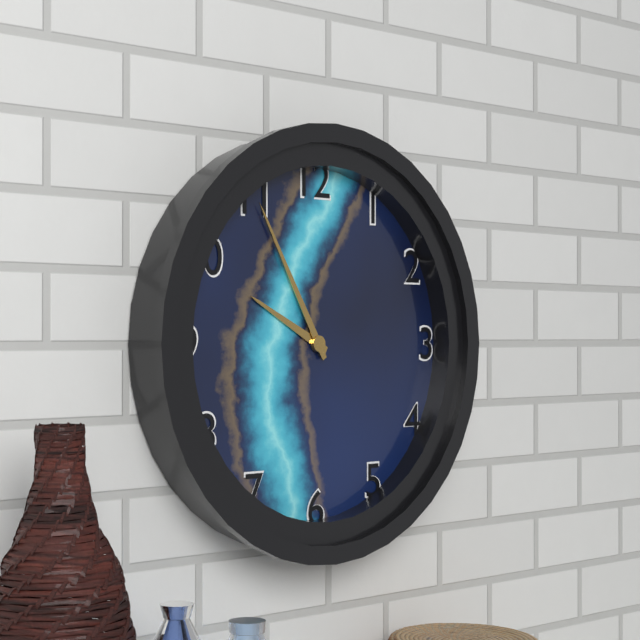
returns 9:55
